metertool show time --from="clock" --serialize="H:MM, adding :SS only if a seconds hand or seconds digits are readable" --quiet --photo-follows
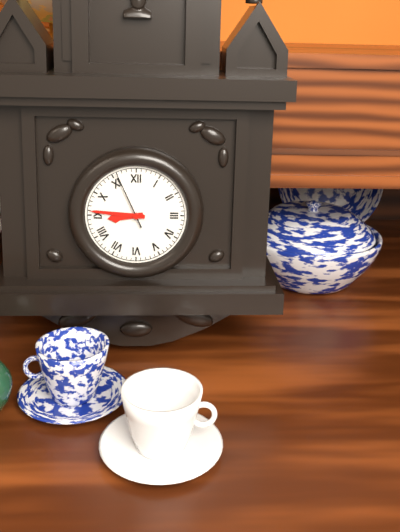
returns 8:46
